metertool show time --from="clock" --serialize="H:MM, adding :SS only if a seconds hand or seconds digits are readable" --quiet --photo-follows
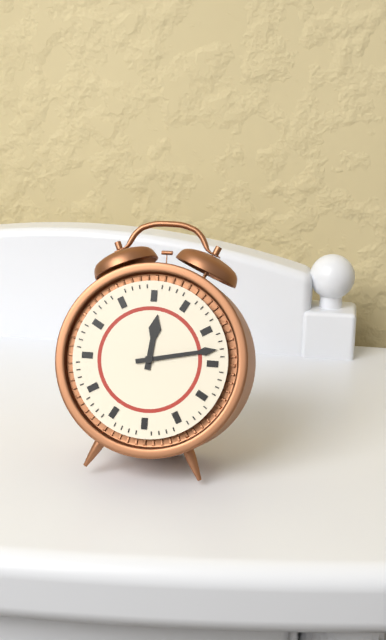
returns 12:13
